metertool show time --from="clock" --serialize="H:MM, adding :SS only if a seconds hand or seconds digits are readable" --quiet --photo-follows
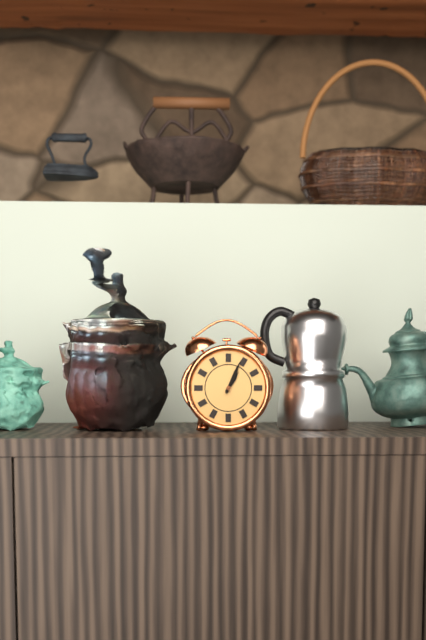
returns 1:04
